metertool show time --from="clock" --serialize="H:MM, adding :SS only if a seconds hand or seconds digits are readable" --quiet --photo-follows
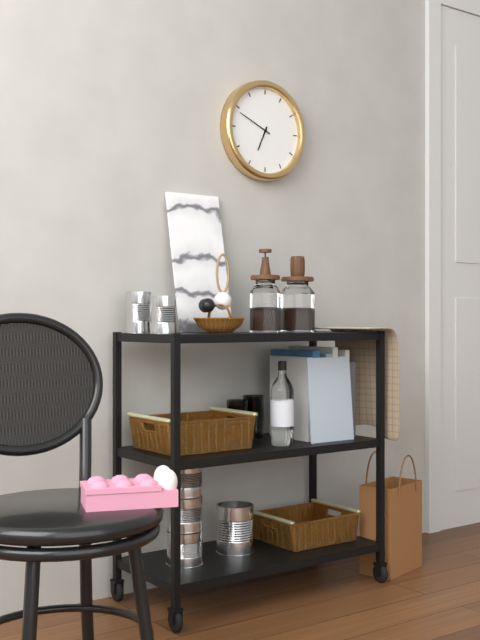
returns 6:49
